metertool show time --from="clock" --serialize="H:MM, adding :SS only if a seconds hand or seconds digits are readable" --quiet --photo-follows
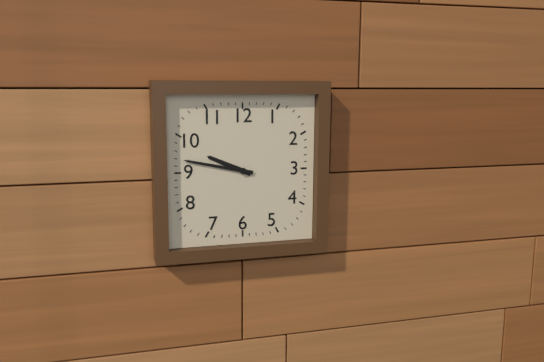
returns 9:47
